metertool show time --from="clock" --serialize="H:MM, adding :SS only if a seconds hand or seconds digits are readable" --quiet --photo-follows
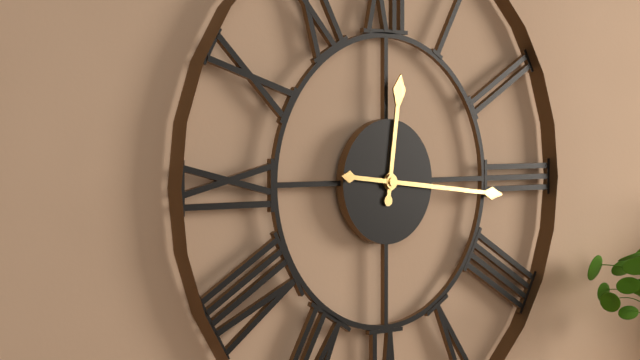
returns 12:16
